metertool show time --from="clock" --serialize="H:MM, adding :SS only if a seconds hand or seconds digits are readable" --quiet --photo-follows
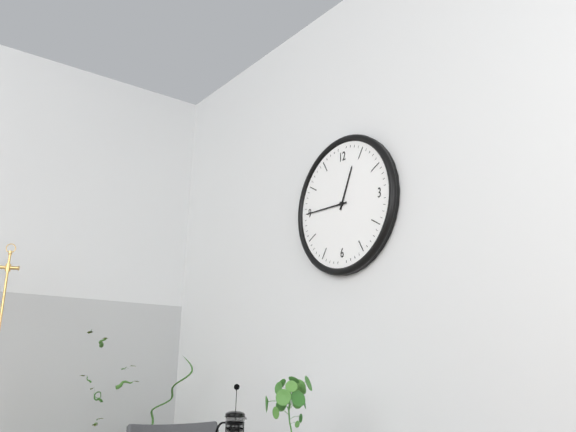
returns 12:45
